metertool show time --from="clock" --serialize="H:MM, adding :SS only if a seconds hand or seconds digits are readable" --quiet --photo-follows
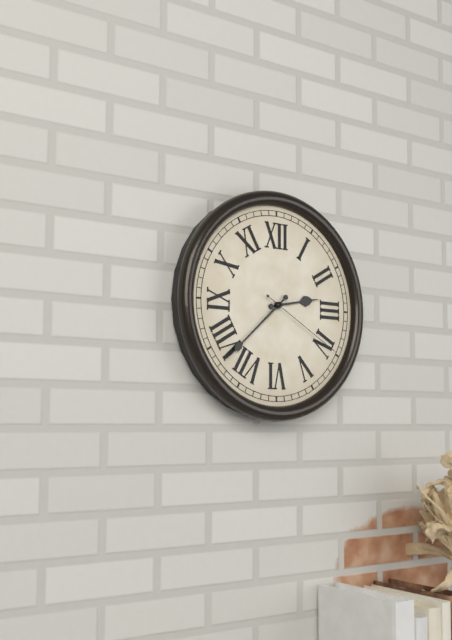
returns 2:38:20
